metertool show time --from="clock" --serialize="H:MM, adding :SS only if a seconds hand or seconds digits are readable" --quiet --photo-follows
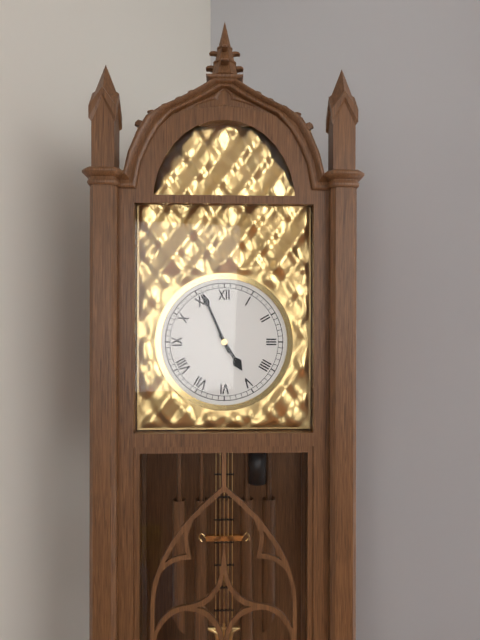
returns 4:56
